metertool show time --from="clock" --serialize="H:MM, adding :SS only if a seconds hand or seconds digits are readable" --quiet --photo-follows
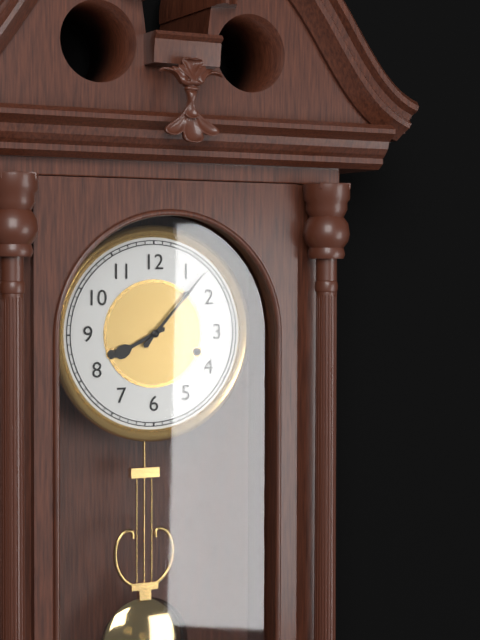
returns 8:07
